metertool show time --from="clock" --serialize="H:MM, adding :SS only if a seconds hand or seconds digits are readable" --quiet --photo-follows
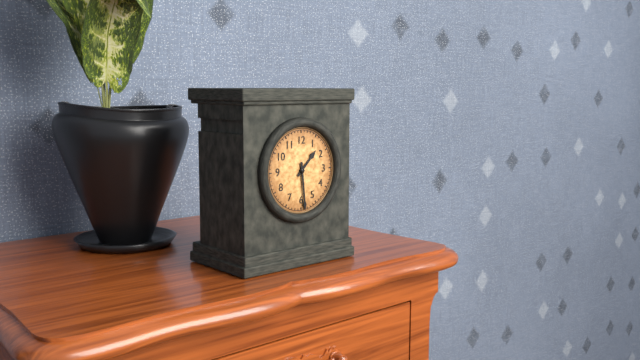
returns 1:29
